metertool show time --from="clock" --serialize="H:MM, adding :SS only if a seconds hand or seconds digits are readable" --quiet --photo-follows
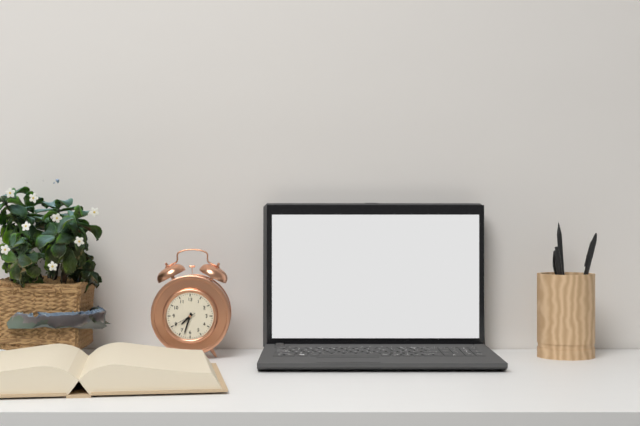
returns 7:33
